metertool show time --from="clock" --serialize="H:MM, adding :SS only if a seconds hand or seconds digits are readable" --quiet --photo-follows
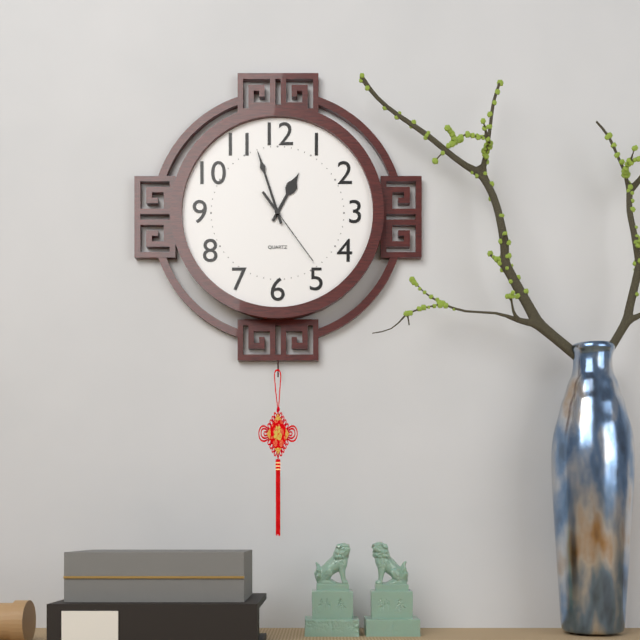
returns 12:57:24
